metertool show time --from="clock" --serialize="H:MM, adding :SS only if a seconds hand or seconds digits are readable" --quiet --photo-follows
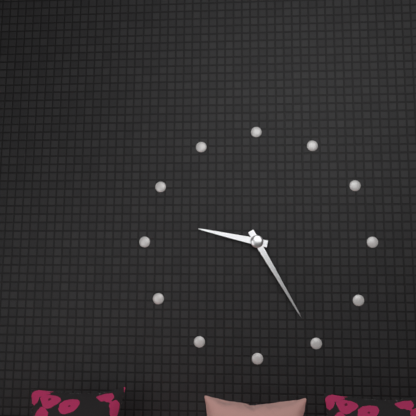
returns 9:25
